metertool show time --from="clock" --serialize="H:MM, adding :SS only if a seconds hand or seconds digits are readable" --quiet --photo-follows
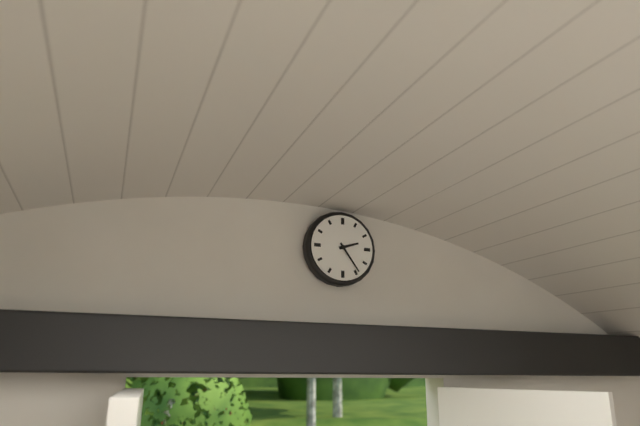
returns 2:24
